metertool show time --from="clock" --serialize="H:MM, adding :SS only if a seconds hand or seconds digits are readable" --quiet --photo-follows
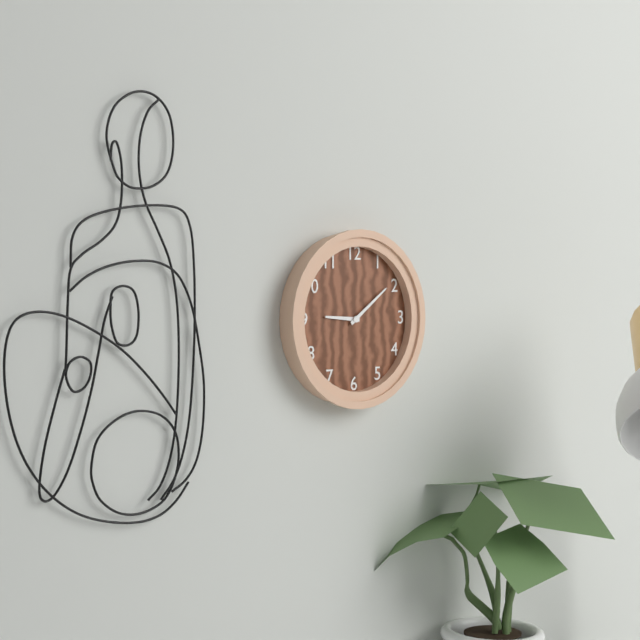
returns 9:09
